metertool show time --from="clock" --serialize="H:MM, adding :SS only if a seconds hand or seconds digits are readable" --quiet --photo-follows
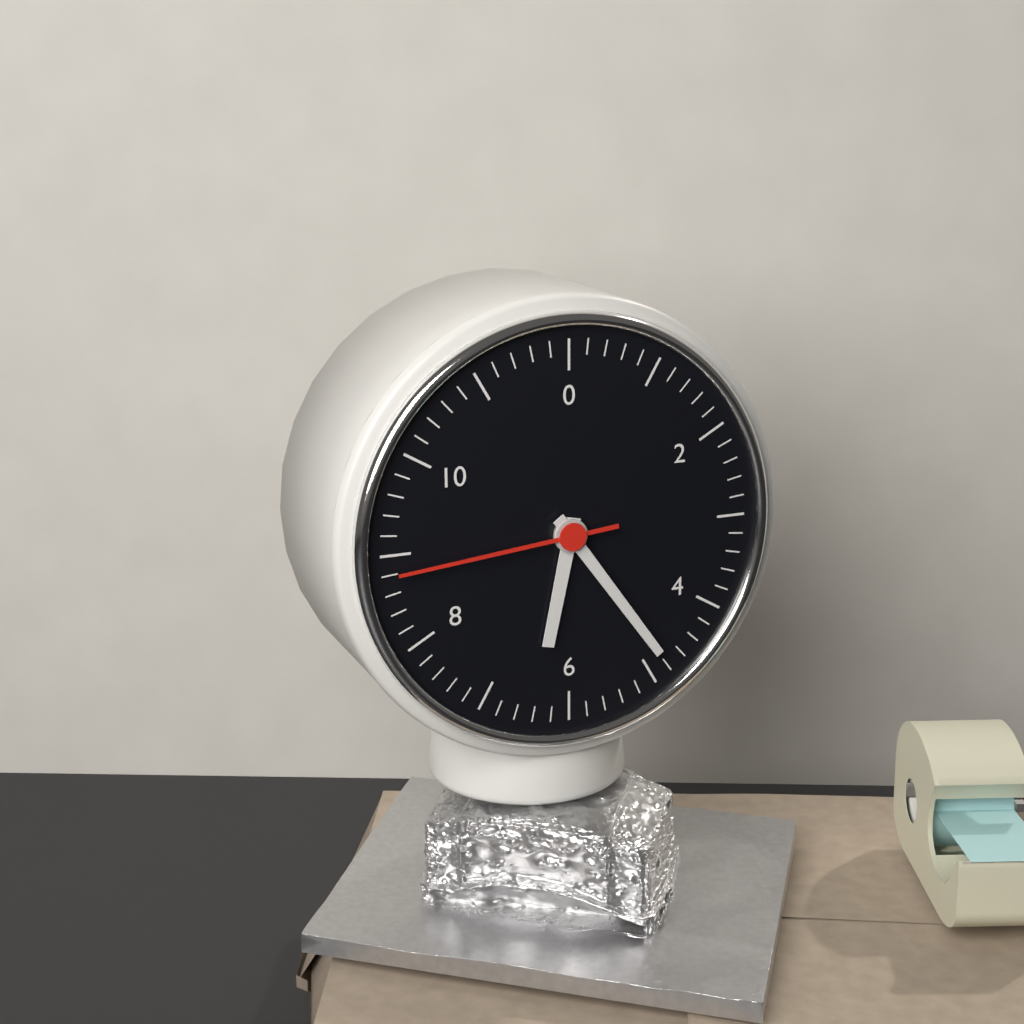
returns 6:24:44
